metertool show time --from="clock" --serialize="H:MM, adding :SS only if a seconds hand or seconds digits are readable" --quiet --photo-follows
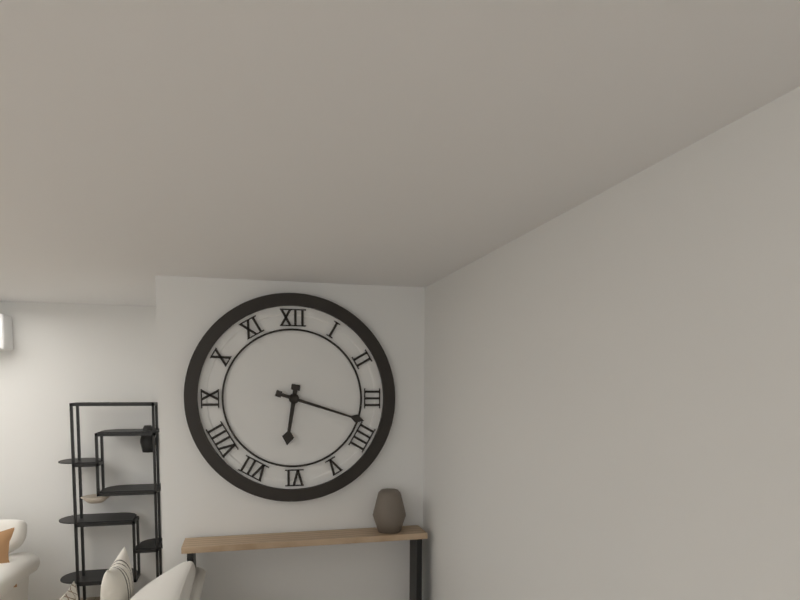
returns 6:18
